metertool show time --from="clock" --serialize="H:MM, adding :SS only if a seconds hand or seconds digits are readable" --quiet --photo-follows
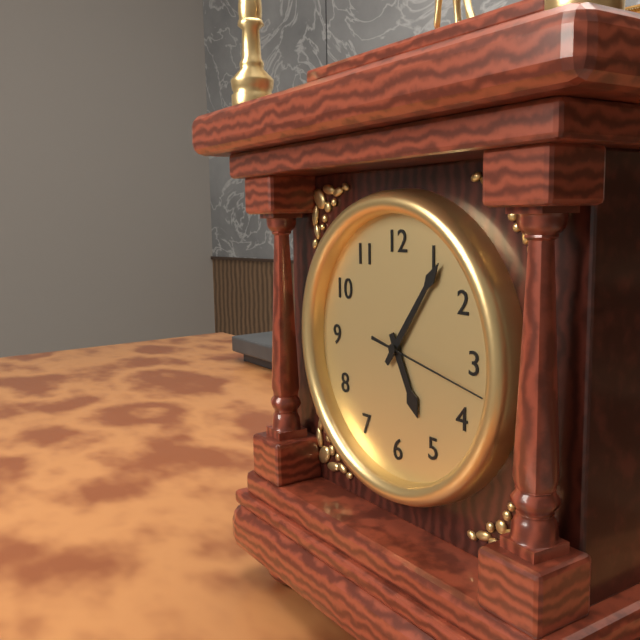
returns 5:06:17
